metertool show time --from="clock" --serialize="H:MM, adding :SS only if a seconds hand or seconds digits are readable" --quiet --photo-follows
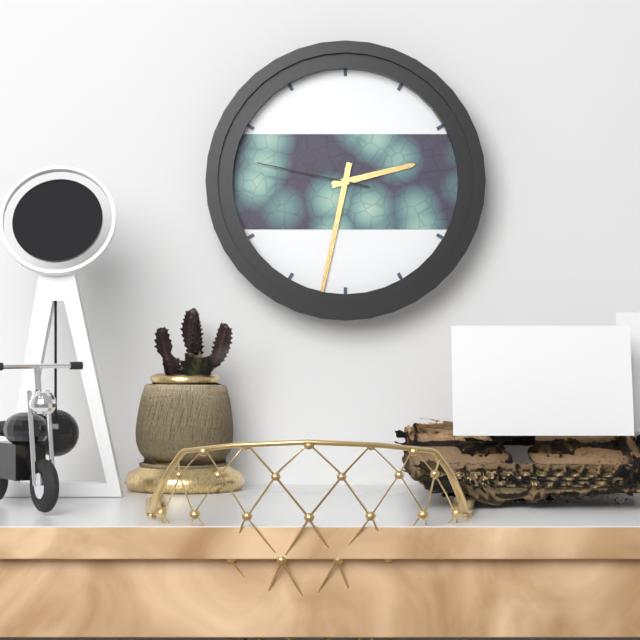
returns 2:32:47
